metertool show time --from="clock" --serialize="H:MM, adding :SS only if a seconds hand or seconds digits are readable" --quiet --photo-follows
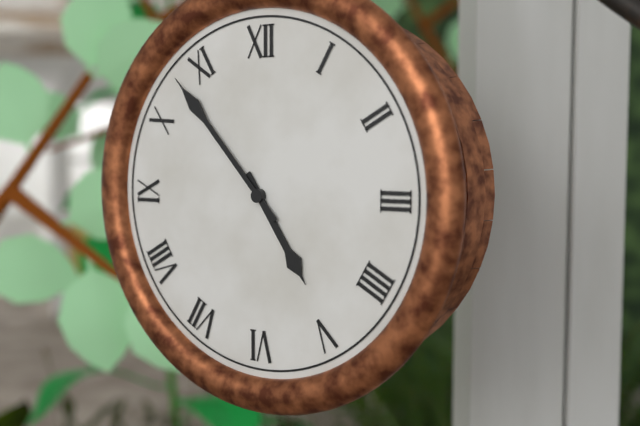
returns 4:53
